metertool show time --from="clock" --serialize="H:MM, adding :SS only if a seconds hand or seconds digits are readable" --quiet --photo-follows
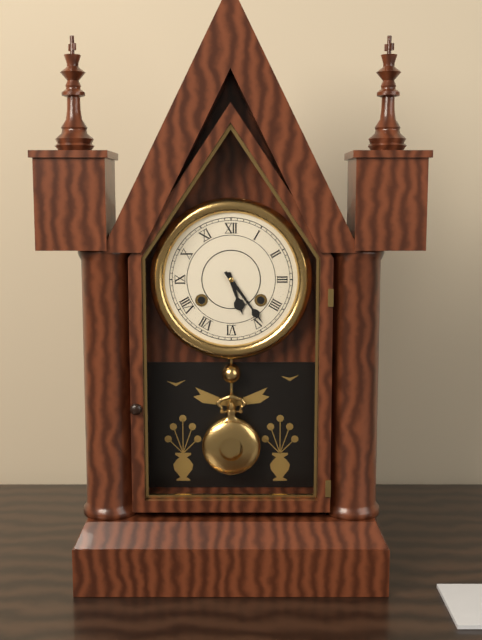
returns 5:24
